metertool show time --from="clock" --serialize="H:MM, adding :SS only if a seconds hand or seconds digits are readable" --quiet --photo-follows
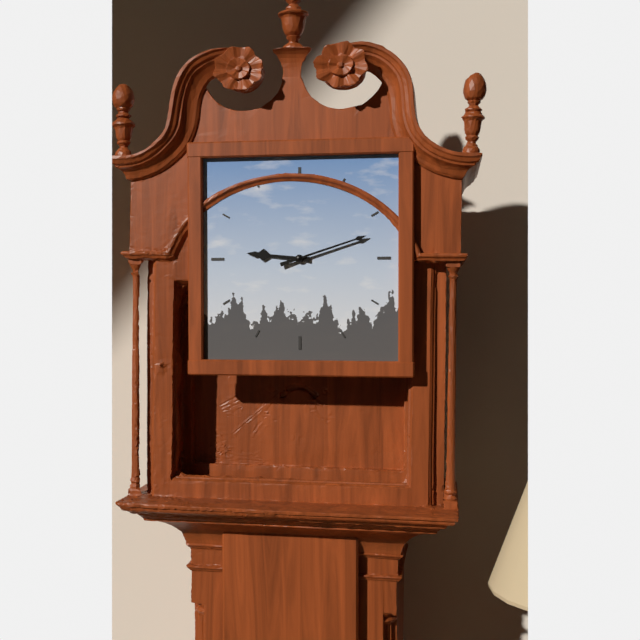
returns 9:12
